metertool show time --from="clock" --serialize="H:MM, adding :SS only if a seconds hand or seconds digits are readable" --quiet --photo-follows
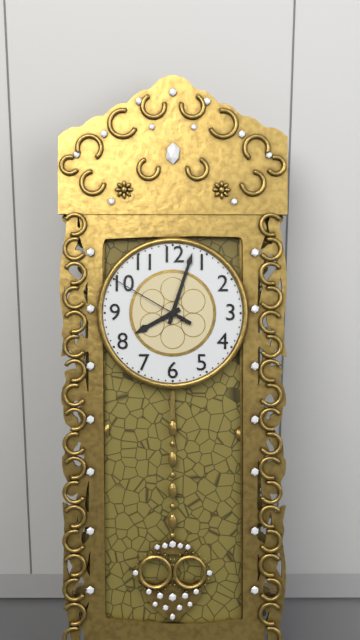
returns 8:03:50
